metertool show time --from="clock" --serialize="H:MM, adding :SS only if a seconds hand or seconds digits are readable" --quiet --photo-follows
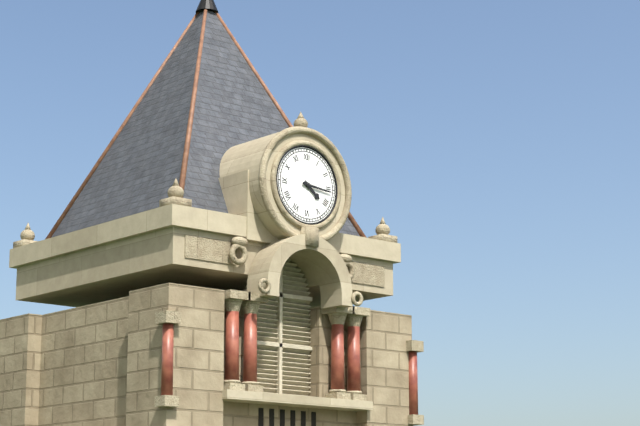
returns 4:16
